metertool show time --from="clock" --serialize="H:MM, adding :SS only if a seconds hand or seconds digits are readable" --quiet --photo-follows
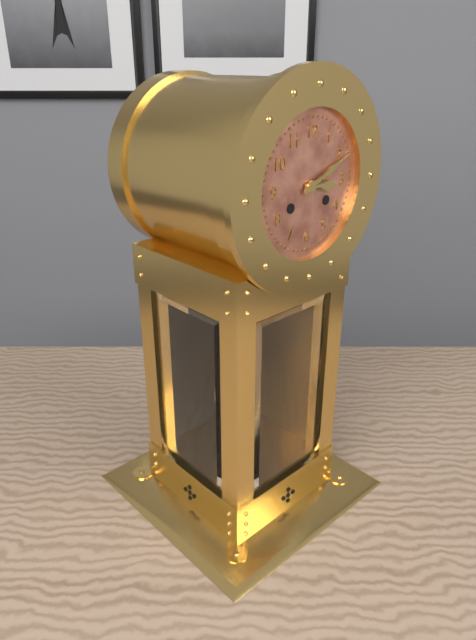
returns 3:11
